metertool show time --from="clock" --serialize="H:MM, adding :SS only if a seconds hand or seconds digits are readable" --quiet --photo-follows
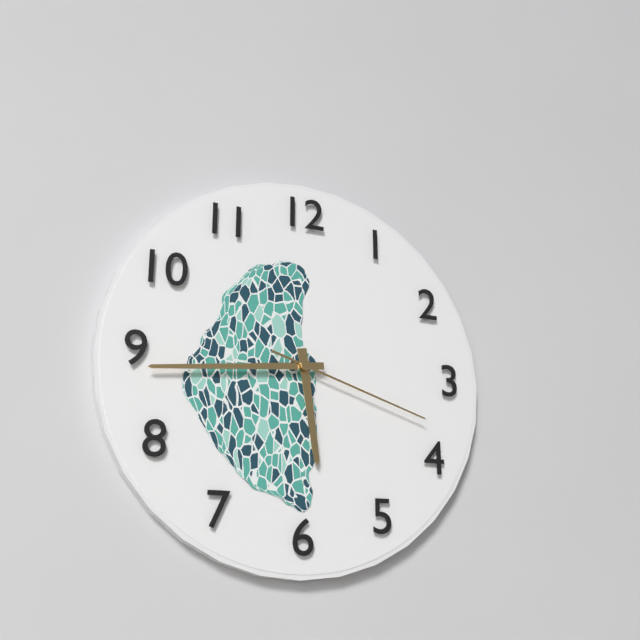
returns 5:44:18
